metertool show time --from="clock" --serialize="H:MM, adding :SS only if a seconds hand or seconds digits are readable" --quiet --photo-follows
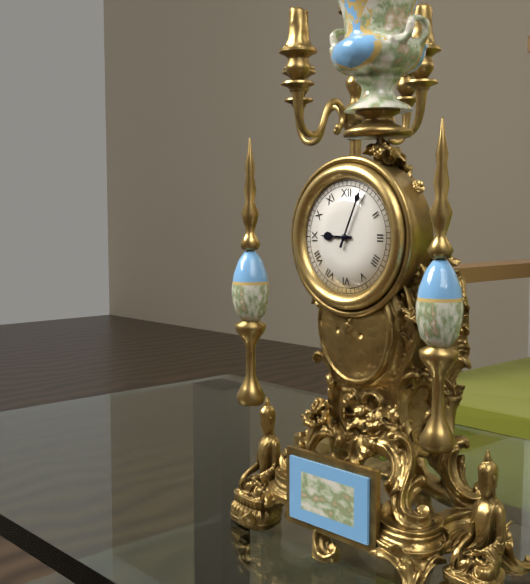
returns 9:04
